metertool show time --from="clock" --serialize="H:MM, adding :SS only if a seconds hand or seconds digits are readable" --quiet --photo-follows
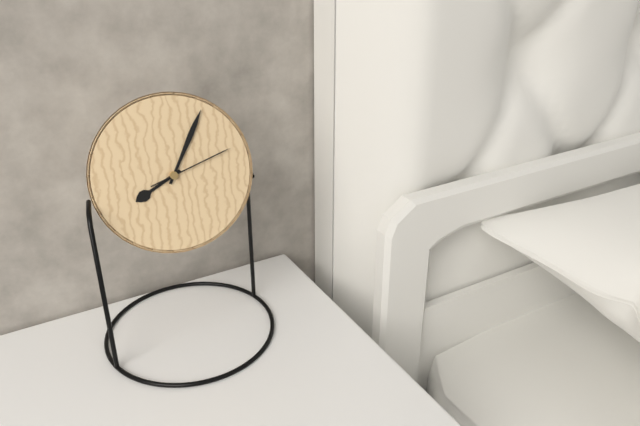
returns 8:05:12
